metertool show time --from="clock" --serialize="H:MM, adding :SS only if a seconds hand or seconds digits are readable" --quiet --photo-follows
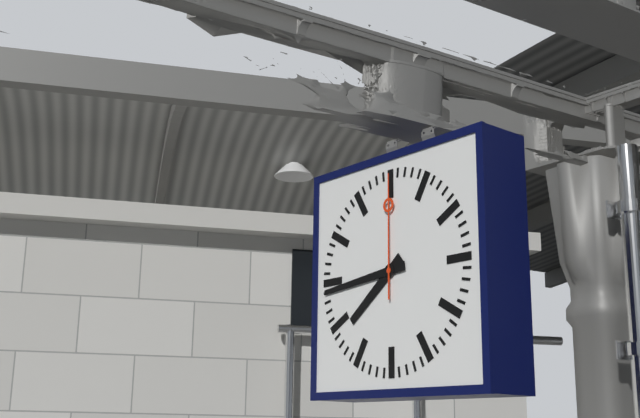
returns 7:44:00
